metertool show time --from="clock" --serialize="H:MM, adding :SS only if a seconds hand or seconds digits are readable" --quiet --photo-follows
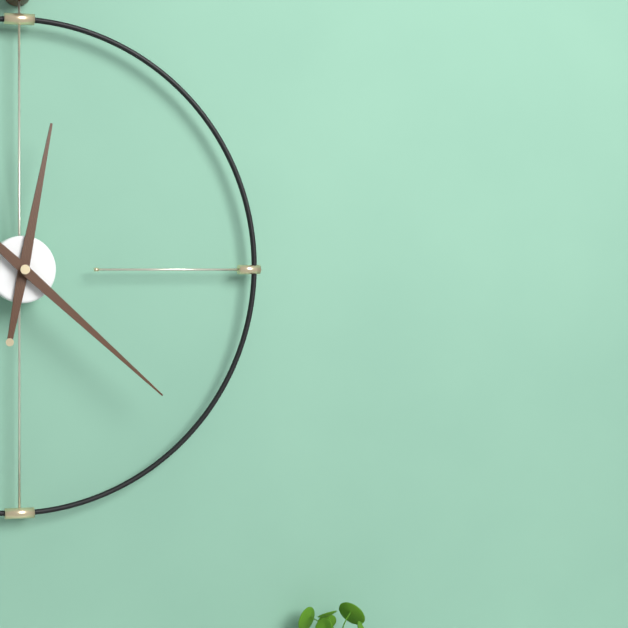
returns 12:22
